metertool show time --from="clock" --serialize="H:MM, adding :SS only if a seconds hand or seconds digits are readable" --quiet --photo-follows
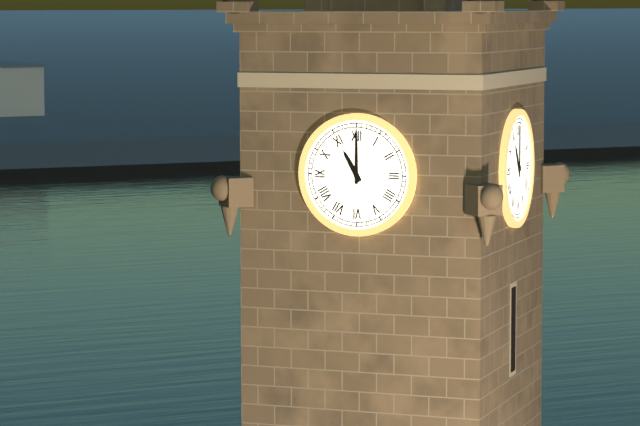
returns 11:00
